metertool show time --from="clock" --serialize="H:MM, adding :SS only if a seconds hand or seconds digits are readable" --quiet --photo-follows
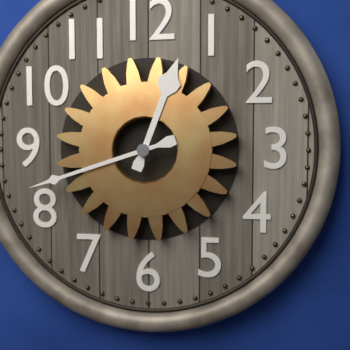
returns 12:42
